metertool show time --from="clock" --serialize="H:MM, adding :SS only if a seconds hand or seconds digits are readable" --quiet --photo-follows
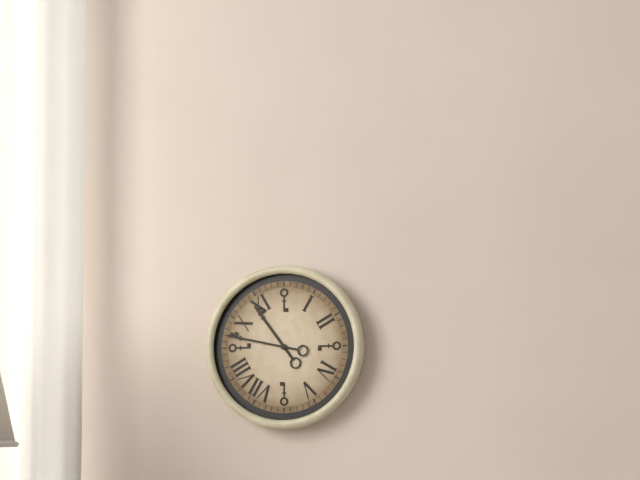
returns 10:47
